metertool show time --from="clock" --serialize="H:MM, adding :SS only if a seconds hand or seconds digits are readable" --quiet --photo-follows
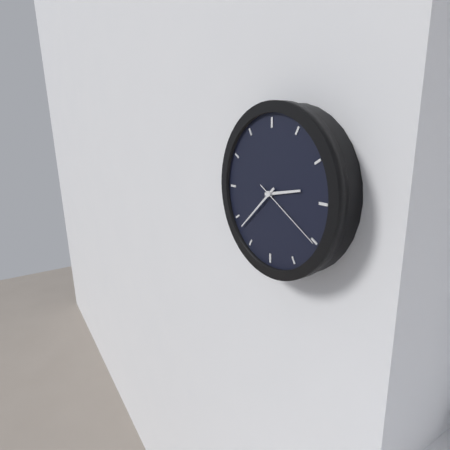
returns 2:38:20
